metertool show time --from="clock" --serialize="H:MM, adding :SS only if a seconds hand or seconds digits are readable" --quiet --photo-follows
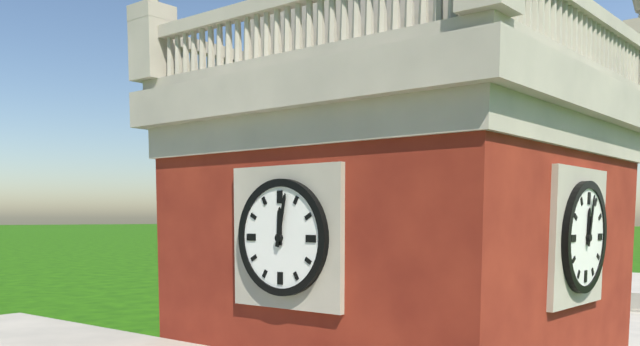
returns 12:02
